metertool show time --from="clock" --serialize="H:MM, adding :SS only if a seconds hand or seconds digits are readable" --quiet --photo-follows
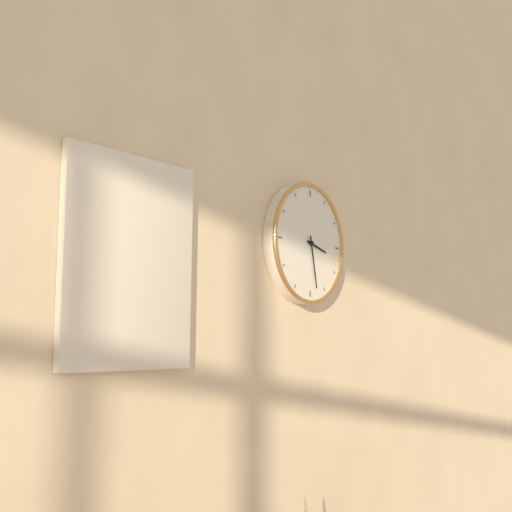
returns 3:28
